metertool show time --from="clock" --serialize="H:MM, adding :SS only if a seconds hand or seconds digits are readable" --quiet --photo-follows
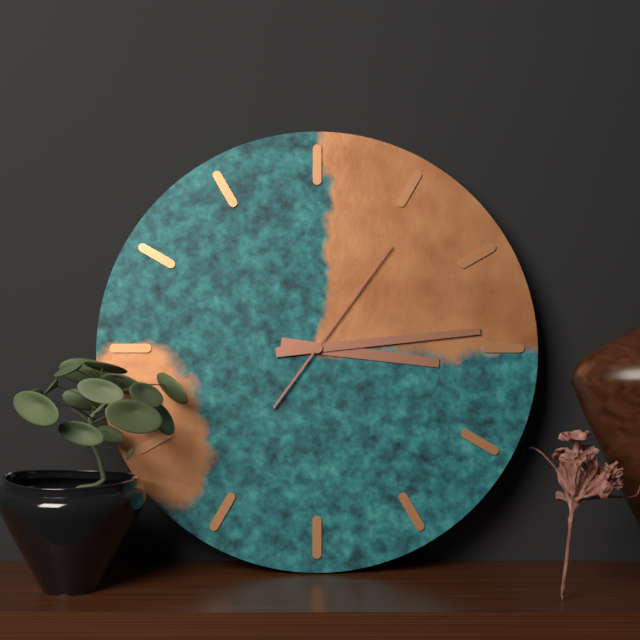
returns 3:14:06
